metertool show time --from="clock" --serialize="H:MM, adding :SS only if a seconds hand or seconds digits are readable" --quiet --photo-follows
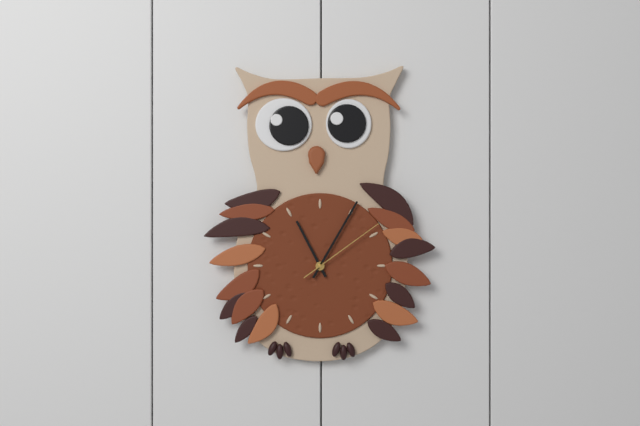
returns 11:05:09
